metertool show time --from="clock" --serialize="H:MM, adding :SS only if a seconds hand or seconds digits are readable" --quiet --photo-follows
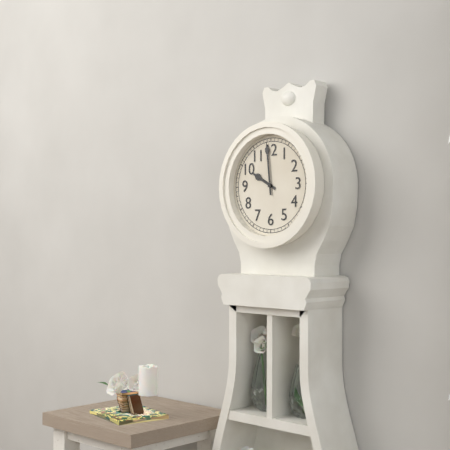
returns 9:59
